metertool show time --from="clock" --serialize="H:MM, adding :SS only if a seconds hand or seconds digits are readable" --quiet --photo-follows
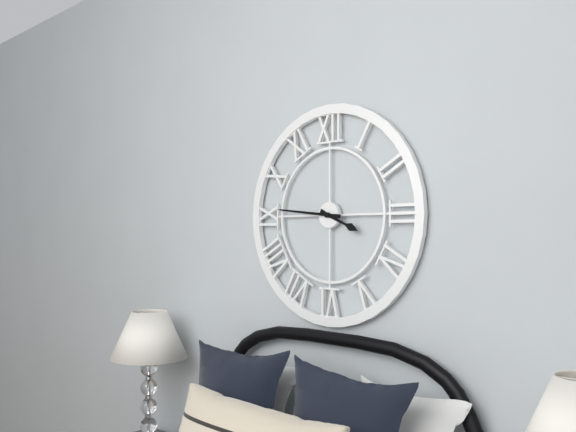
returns 3:46
